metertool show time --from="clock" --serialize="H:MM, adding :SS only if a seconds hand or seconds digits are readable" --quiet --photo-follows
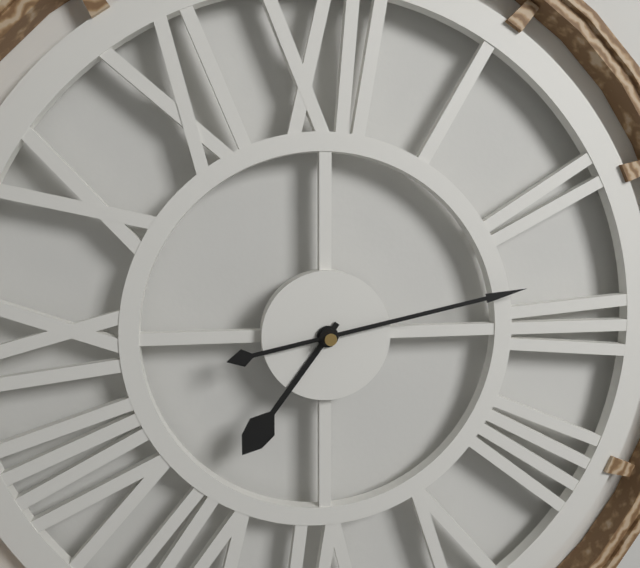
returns 7:13
